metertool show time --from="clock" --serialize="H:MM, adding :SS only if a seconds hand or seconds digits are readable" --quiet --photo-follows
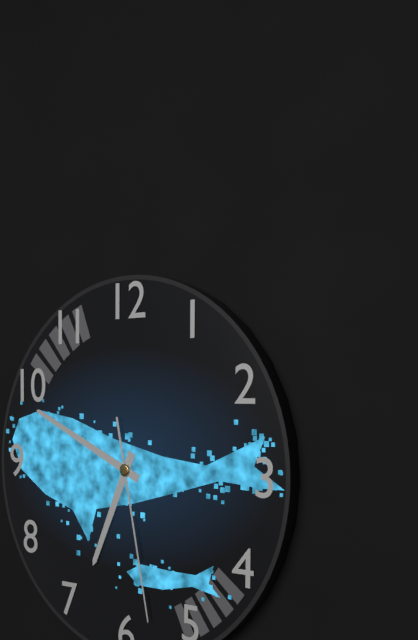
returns 6:49:28
